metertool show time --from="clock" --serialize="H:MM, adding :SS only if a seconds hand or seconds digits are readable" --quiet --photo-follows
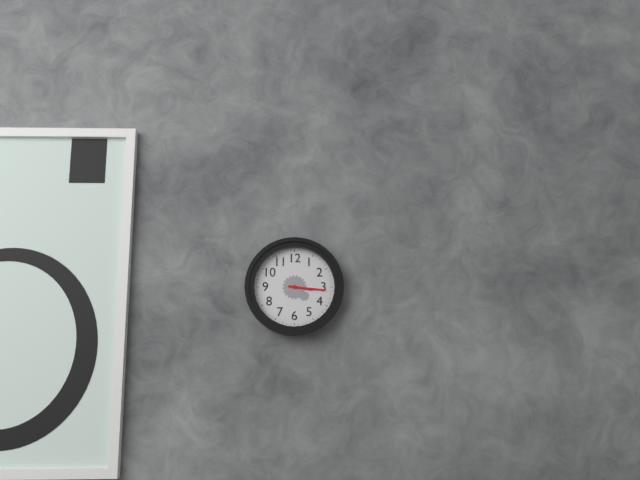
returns 3:16
